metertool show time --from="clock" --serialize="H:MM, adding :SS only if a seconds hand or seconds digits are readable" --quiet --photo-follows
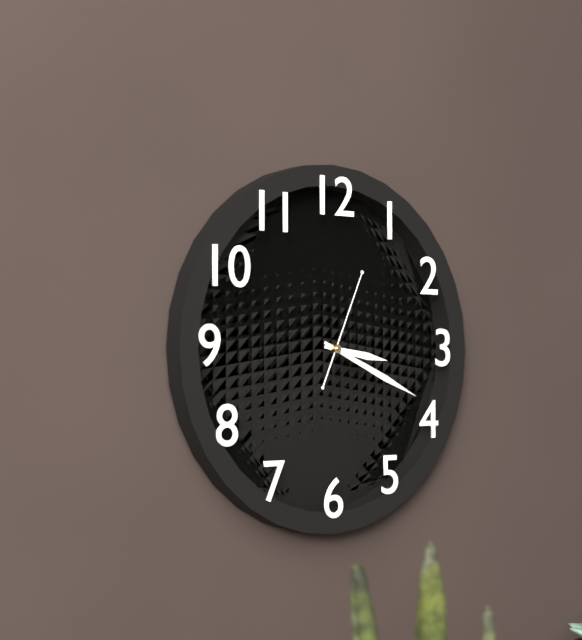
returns 3:19:04
